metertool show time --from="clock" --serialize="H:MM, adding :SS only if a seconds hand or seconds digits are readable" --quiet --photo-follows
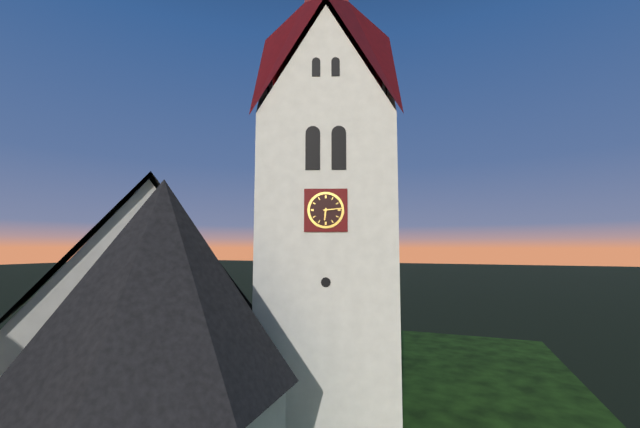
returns 6:14
